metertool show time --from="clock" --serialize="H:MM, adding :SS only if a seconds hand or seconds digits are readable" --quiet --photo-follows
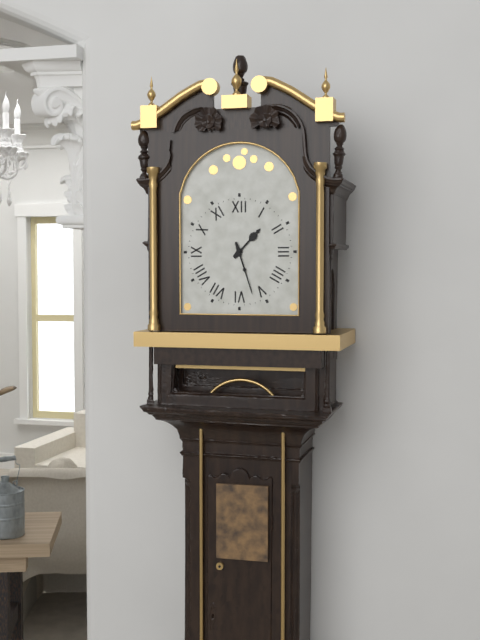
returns 1:27
